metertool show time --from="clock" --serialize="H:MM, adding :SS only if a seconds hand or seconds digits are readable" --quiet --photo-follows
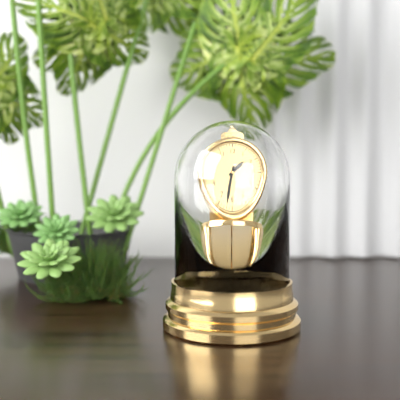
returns 1:32
